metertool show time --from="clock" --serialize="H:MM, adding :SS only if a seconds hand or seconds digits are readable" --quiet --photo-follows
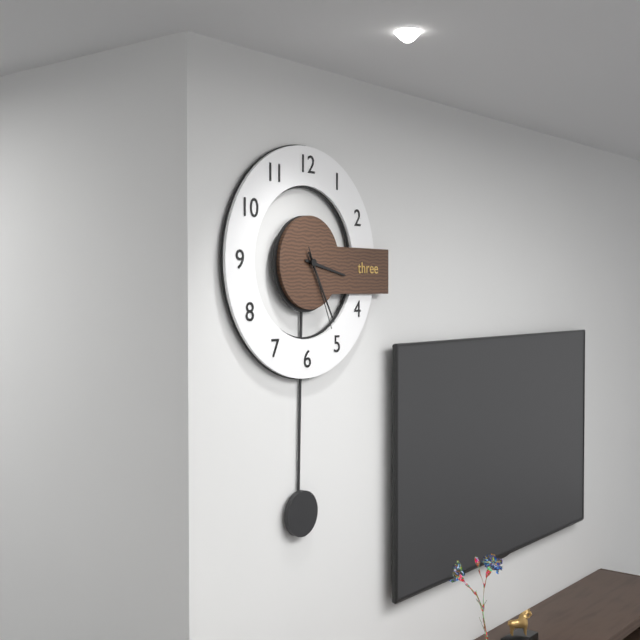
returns 3:25:26
